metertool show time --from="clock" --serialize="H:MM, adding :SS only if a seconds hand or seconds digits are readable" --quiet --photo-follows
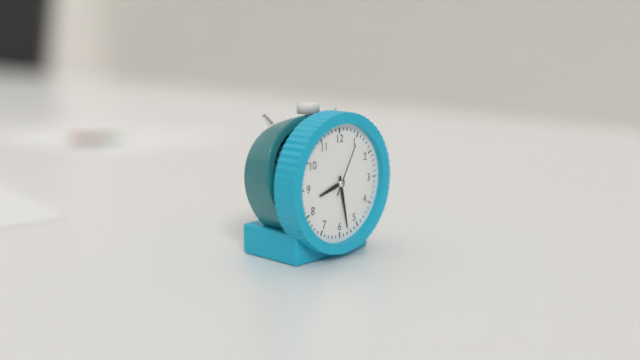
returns 8:28:05
